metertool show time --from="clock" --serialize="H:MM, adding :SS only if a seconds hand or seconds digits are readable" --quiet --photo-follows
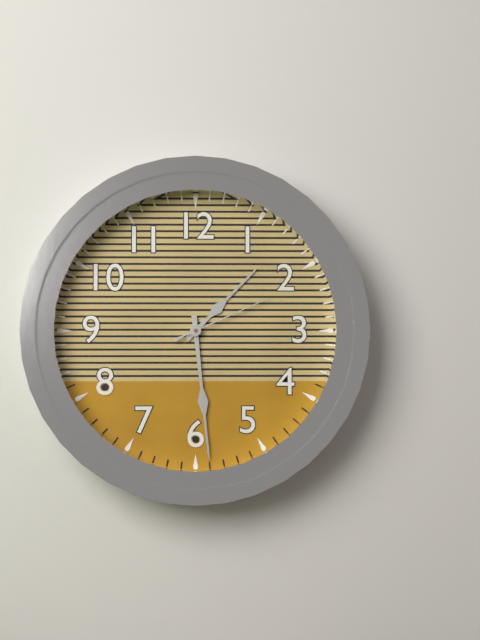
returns 1:29:11
